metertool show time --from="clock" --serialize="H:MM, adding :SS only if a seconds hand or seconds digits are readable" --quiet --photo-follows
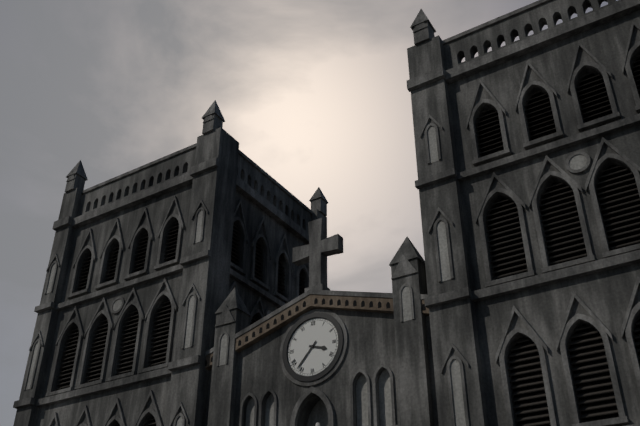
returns 3:37
